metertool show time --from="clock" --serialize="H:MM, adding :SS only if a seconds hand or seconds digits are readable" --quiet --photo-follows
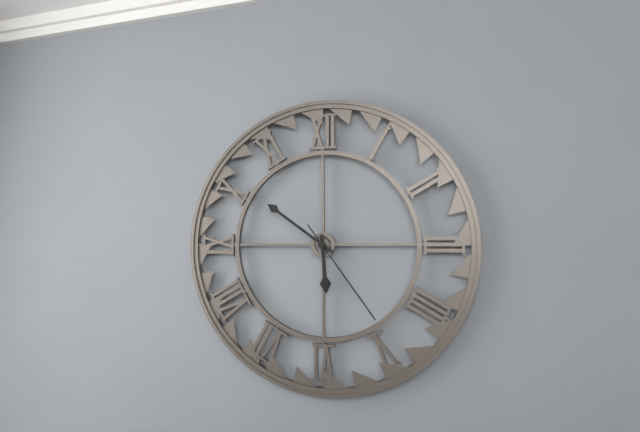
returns 5:51:24
